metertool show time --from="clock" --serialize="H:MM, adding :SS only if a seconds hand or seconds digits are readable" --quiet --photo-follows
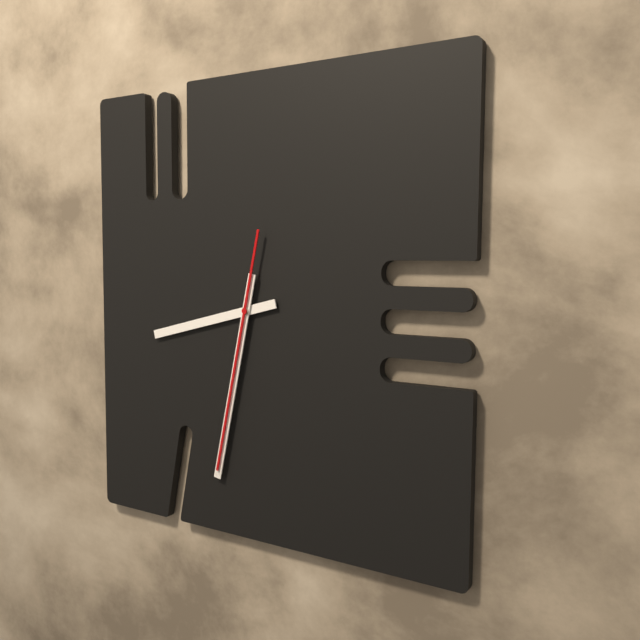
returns 8:32:32
